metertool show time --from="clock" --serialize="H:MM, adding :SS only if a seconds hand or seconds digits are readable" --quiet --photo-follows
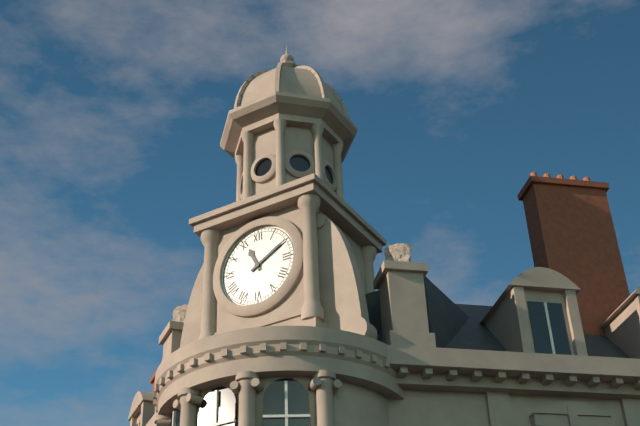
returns 11:10
